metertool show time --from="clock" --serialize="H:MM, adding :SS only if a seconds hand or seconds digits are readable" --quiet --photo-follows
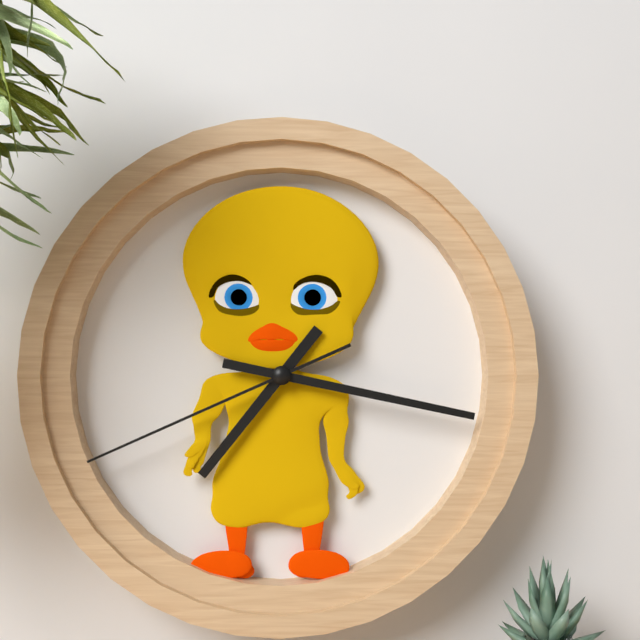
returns 7:17:41
